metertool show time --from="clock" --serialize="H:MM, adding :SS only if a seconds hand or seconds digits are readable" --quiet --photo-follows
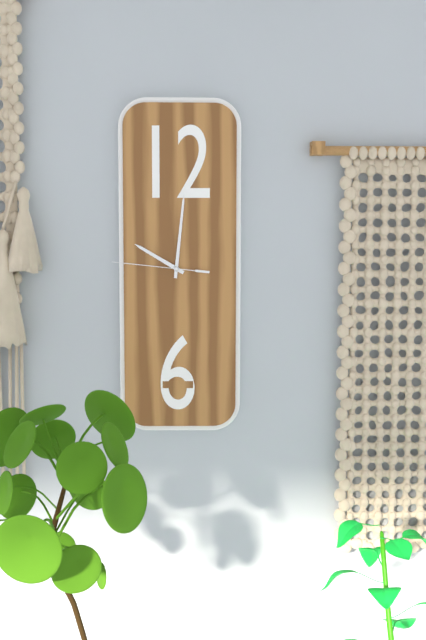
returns 10:01:46
